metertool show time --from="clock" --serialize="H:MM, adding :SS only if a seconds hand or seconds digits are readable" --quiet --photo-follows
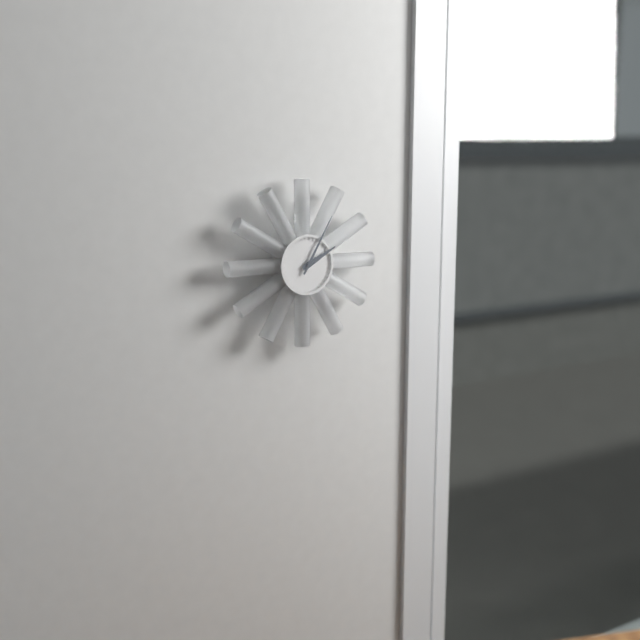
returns 2:05
